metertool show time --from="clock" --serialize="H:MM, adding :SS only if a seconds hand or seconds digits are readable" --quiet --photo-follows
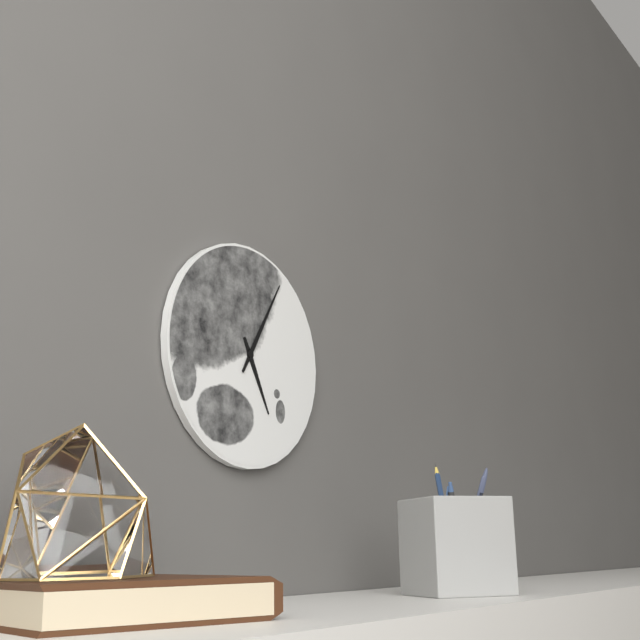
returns 5:05
